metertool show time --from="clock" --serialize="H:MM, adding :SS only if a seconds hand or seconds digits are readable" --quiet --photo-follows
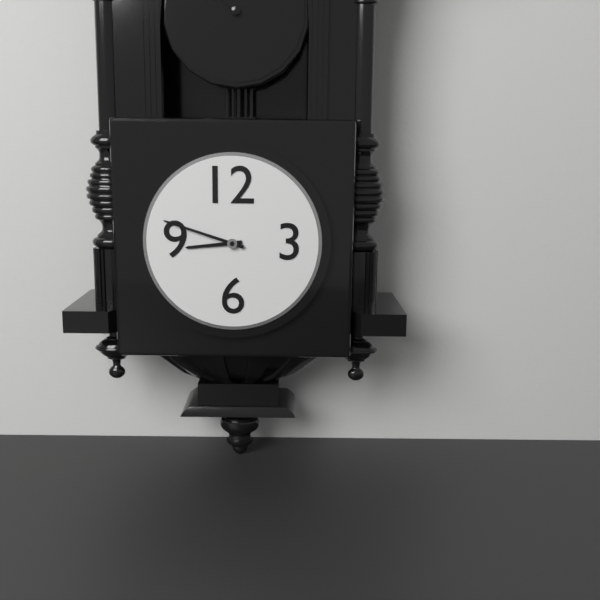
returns 8:48
